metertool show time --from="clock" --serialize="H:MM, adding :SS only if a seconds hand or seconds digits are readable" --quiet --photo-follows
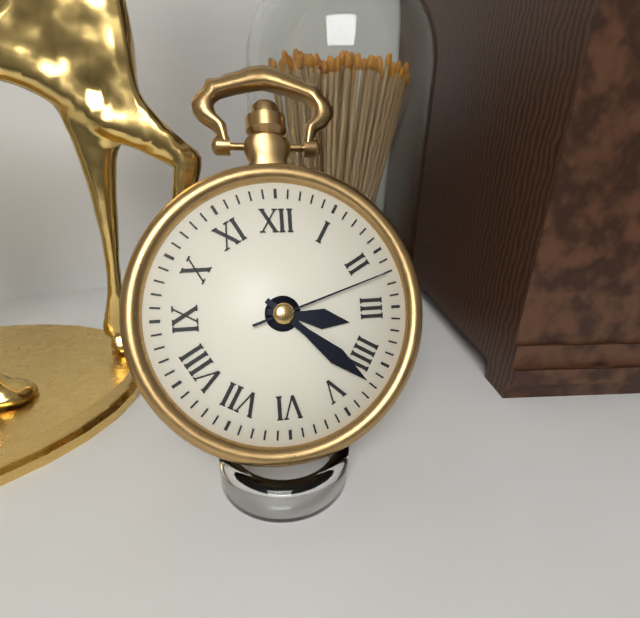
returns 3:22:12
